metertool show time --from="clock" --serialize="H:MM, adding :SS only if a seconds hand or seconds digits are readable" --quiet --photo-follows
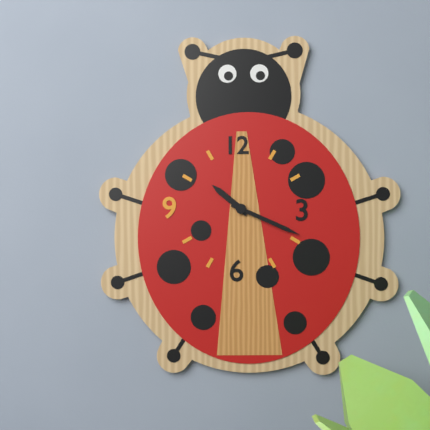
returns 10:19
